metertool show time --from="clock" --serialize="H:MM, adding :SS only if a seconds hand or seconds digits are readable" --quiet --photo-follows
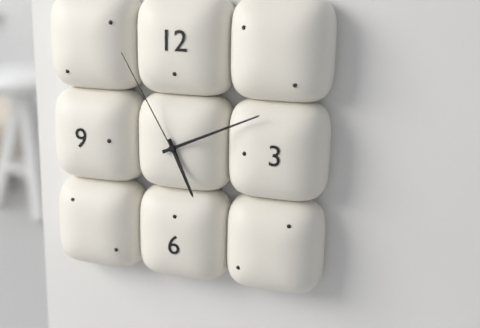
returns 5:11:55
